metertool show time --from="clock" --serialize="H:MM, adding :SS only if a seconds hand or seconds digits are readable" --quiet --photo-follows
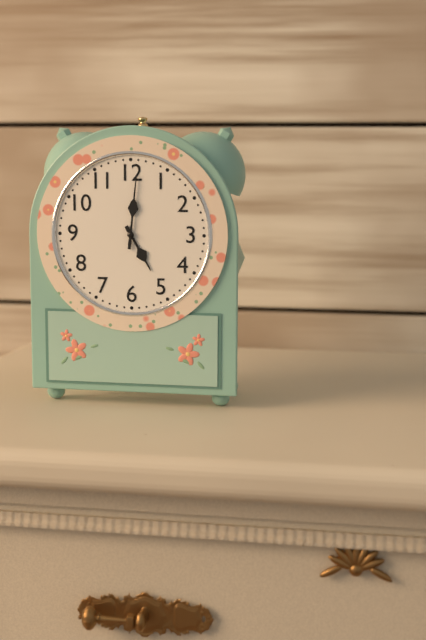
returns 5:01
